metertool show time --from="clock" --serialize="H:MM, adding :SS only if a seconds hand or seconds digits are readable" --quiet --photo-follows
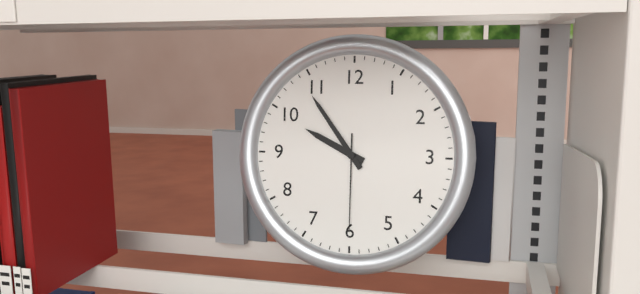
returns 9:54:30
